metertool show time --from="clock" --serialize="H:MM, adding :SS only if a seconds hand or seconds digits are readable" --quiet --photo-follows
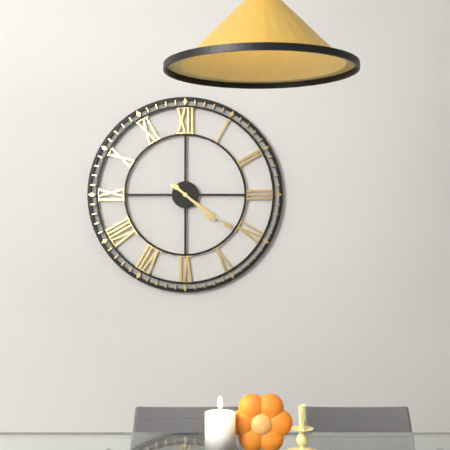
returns 4:21
